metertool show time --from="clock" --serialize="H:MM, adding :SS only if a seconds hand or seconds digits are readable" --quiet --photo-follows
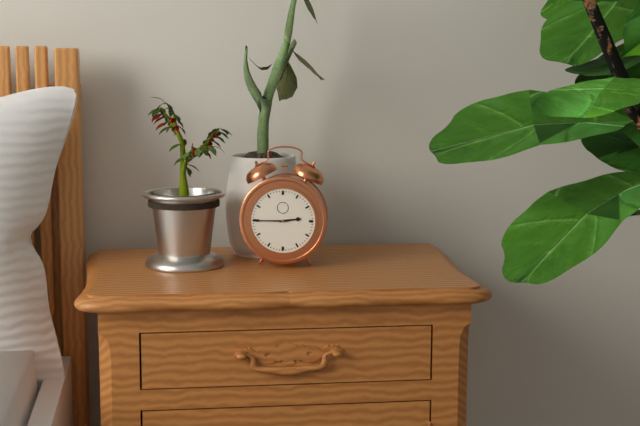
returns 2:45
